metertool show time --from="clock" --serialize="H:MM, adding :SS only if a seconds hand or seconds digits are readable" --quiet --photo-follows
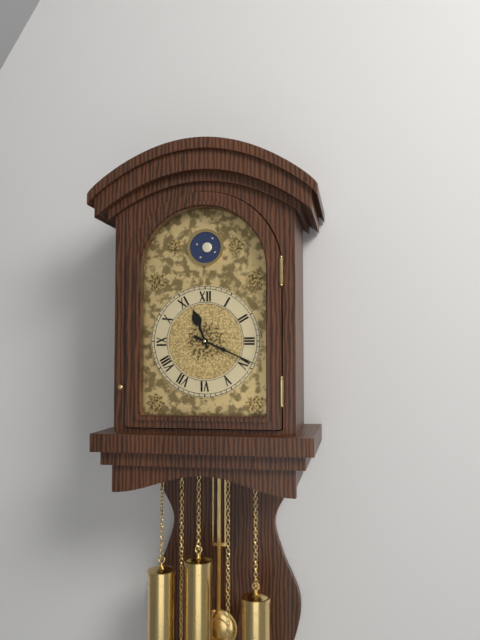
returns 11:19
